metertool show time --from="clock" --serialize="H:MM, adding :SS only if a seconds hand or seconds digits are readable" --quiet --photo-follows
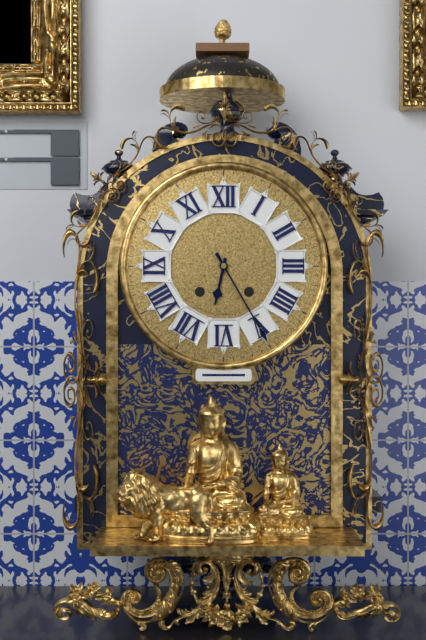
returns 6:25
